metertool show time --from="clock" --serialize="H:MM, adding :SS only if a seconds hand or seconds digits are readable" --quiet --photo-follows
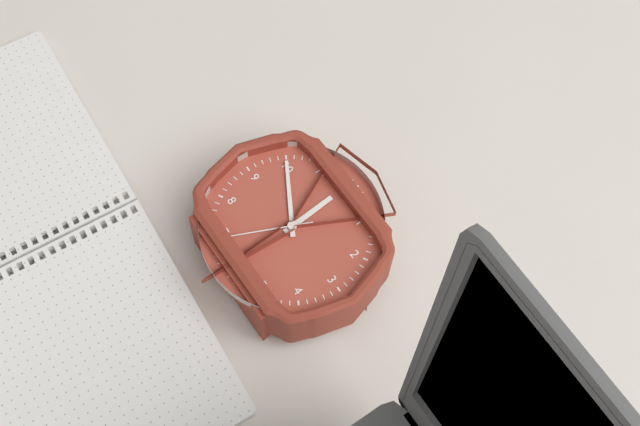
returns 11:50:34
